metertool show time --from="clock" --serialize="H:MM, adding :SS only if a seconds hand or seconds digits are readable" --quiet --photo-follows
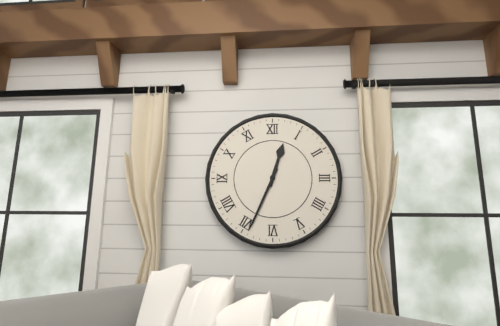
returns 12:34
